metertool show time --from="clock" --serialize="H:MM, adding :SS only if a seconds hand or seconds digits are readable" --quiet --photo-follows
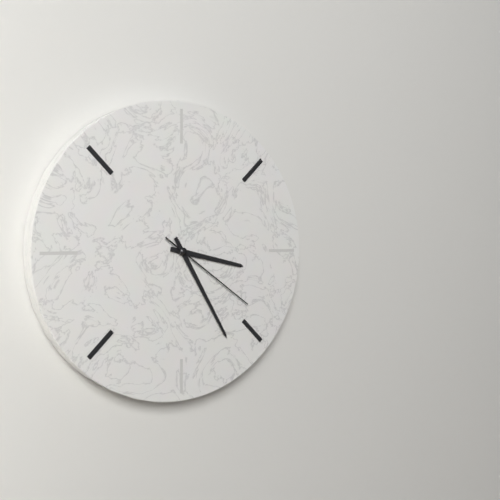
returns 3:25:21
